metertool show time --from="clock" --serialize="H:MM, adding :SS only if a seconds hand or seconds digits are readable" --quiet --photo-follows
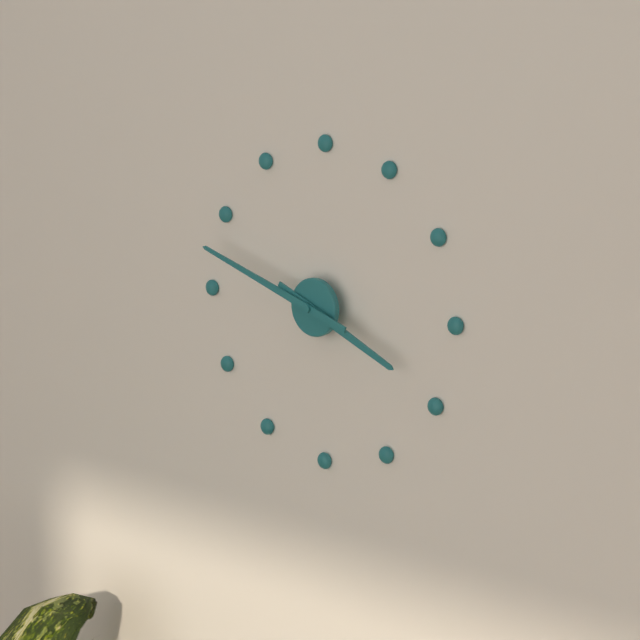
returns 3:48
